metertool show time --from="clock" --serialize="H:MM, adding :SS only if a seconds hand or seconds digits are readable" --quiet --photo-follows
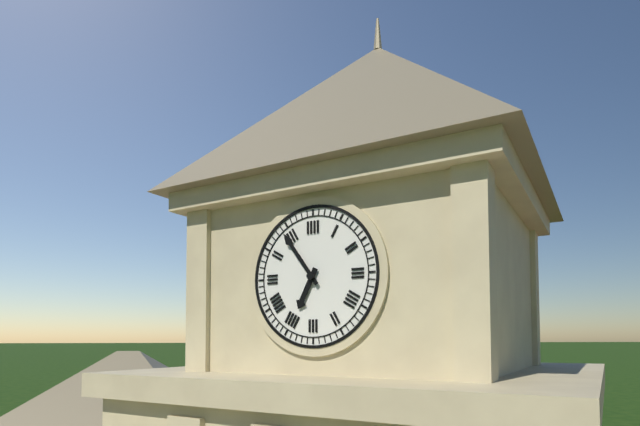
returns 6:54
